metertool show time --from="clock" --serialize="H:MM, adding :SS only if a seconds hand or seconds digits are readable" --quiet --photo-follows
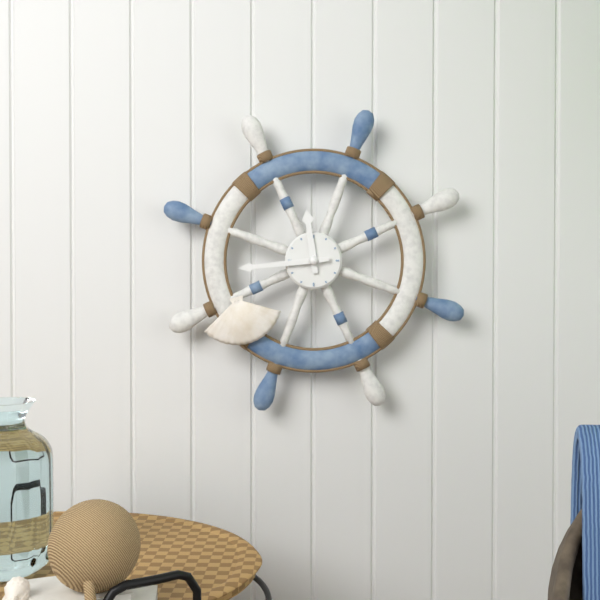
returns 11:44
